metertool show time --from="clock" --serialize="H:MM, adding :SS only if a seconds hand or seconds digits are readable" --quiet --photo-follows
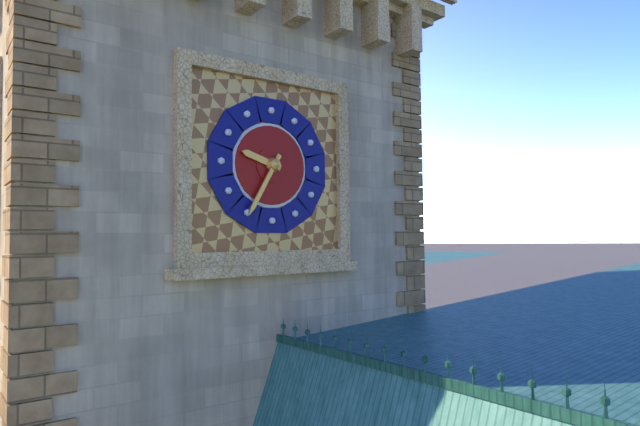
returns 9:35
